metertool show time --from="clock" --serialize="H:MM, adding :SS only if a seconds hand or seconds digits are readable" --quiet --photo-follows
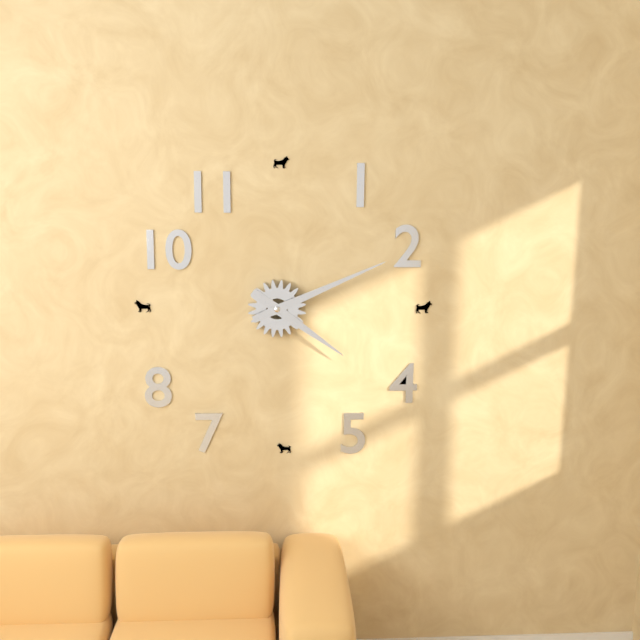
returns 4:11
